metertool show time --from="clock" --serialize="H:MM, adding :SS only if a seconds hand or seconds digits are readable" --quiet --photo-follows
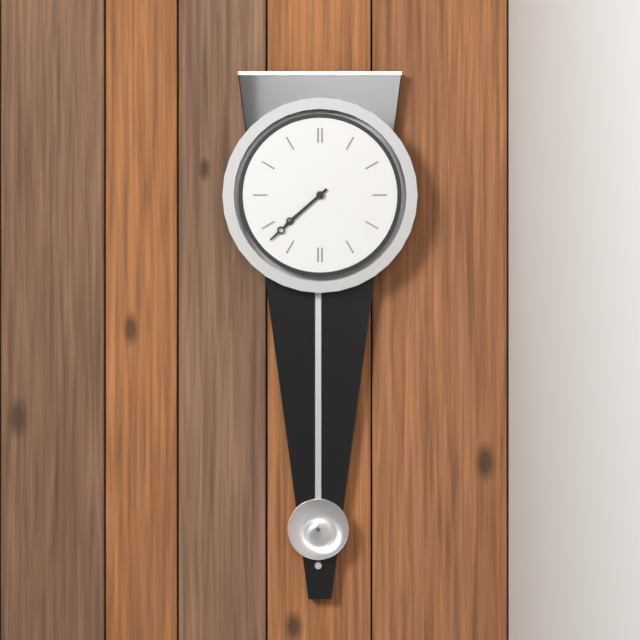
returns 7:38
